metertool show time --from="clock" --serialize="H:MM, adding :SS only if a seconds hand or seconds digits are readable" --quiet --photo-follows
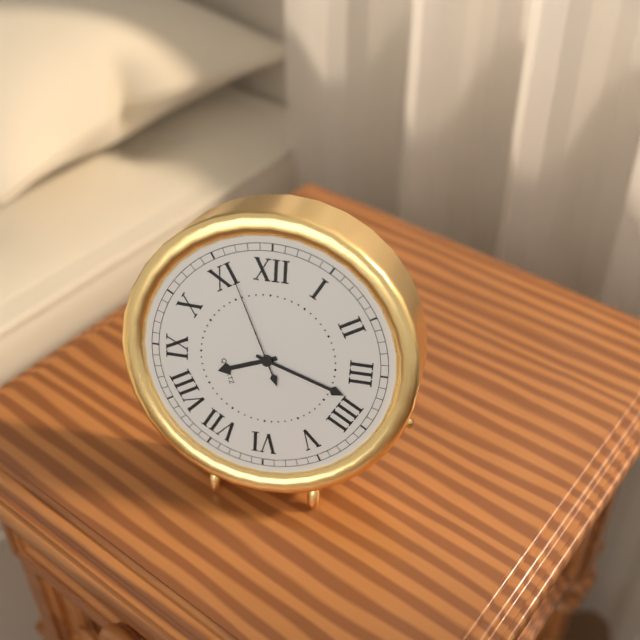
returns 8:18:56
